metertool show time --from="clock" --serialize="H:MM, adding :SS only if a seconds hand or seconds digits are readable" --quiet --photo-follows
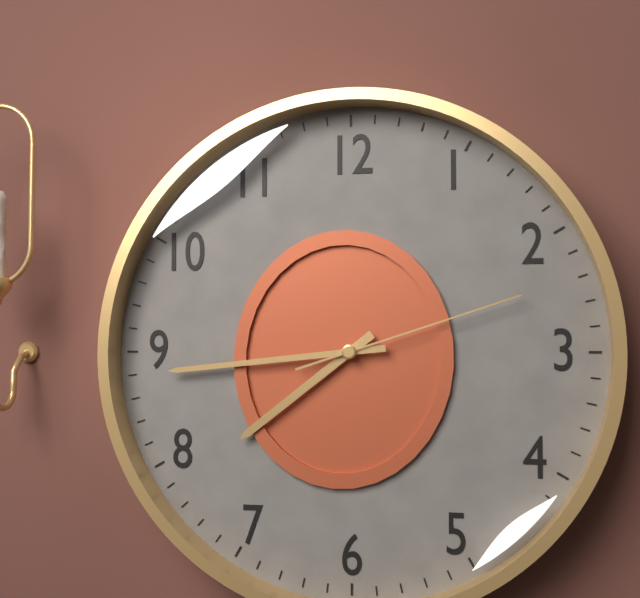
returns 7:44:12
